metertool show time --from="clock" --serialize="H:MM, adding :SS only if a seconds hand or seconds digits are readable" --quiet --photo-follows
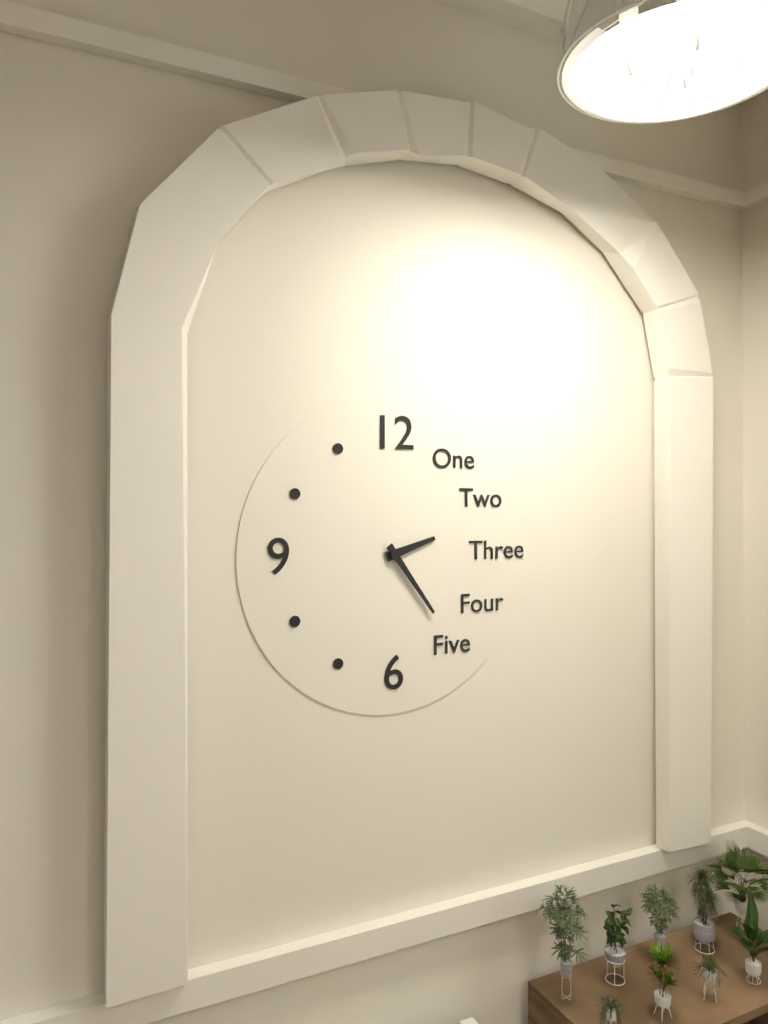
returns 2:24
